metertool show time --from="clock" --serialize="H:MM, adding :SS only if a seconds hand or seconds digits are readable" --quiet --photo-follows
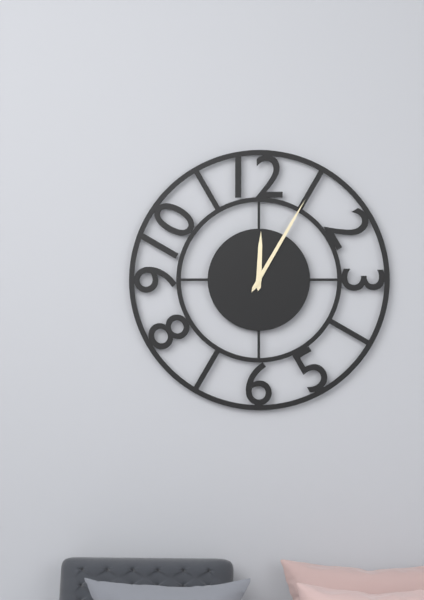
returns 12:05
